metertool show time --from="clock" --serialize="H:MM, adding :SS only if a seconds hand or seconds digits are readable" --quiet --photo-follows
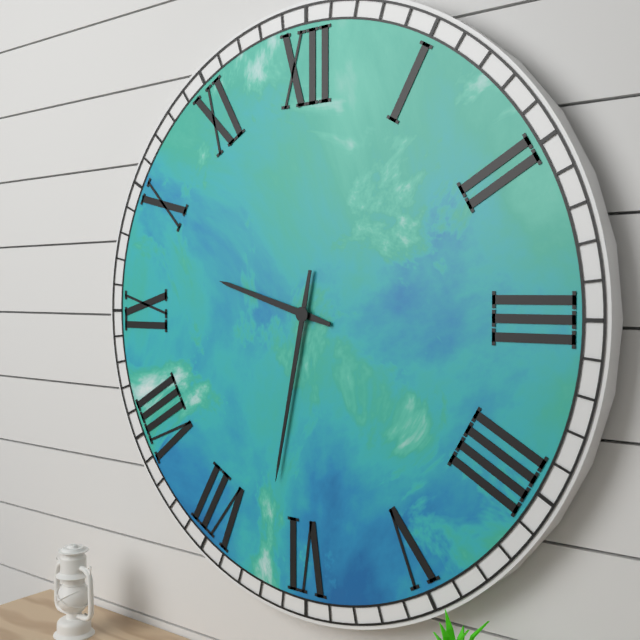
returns 9:32
